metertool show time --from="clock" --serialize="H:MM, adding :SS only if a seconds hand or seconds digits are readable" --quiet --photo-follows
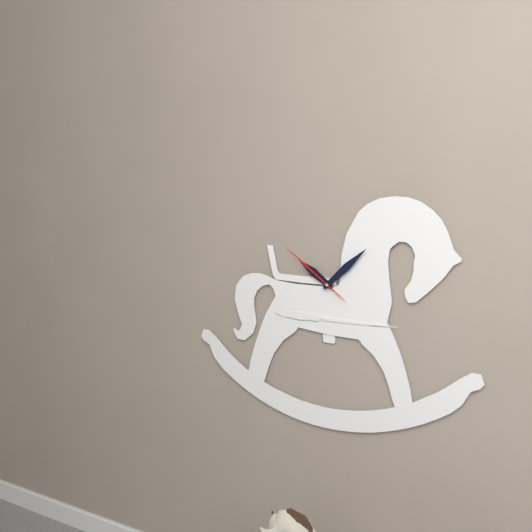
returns 10:08:51
